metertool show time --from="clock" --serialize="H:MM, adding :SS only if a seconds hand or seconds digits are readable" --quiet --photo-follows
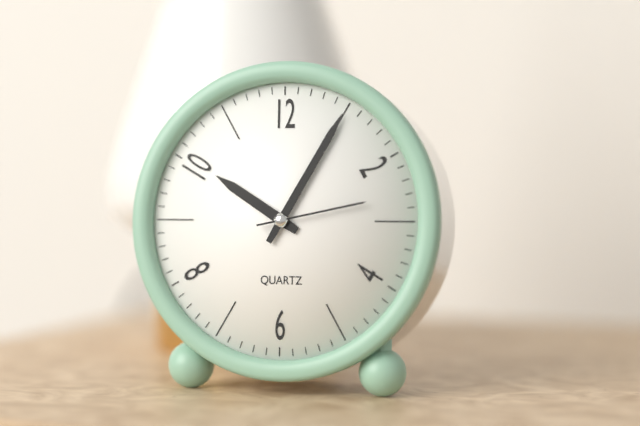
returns 10:05:13
